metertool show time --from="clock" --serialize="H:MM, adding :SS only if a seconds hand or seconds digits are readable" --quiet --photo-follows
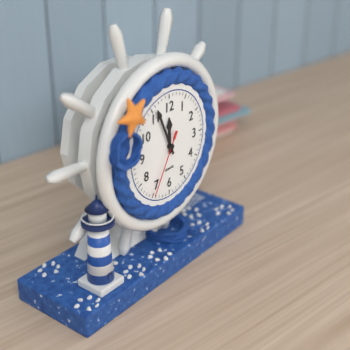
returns 11:56:35
